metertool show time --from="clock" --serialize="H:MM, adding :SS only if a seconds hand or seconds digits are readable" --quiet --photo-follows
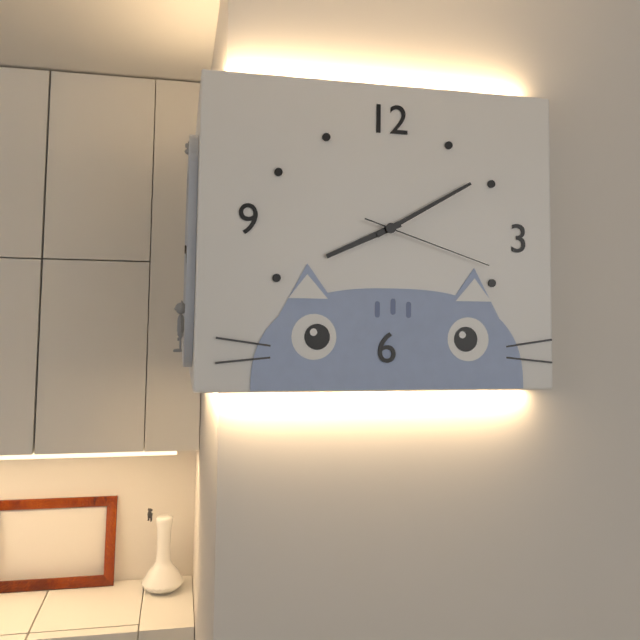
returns 8:10:18
